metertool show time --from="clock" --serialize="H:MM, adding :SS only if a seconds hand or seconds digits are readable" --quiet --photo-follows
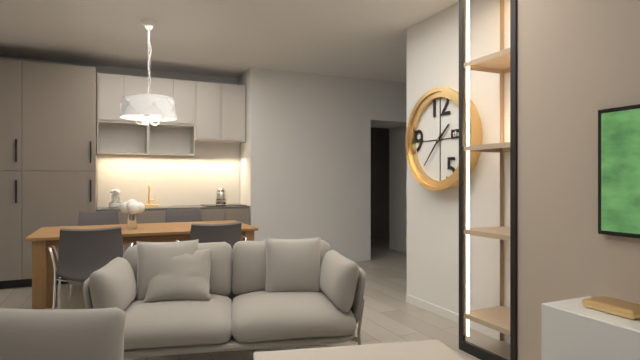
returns 1:37
